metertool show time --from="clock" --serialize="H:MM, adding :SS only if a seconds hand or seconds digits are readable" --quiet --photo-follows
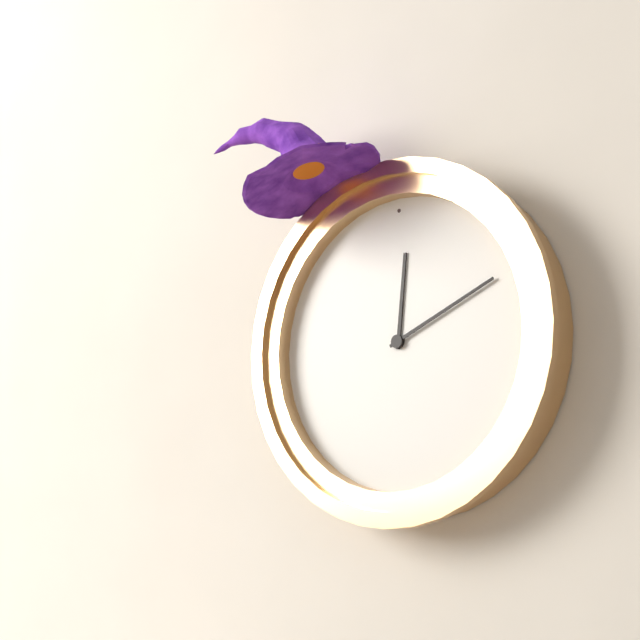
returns 12:11
